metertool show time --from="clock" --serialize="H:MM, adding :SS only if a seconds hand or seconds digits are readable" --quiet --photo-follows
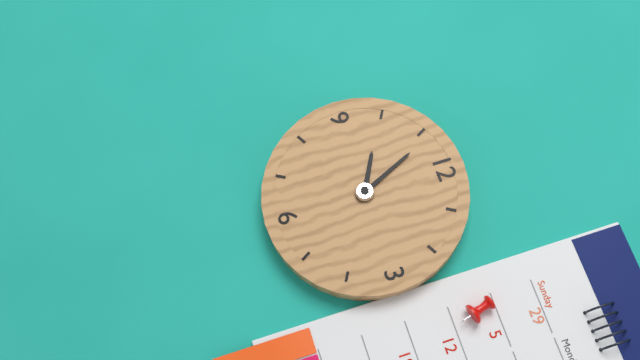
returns 9:56
